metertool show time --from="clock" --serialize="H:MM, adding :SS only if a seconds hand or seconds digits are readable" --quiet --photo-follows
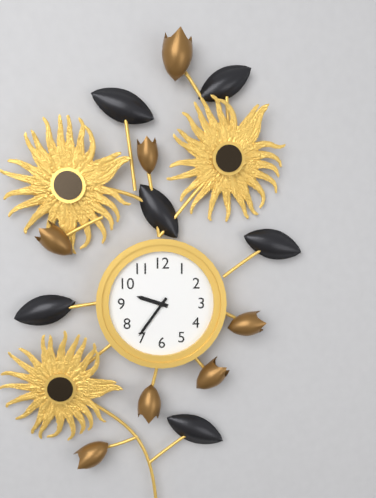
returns 9:36
